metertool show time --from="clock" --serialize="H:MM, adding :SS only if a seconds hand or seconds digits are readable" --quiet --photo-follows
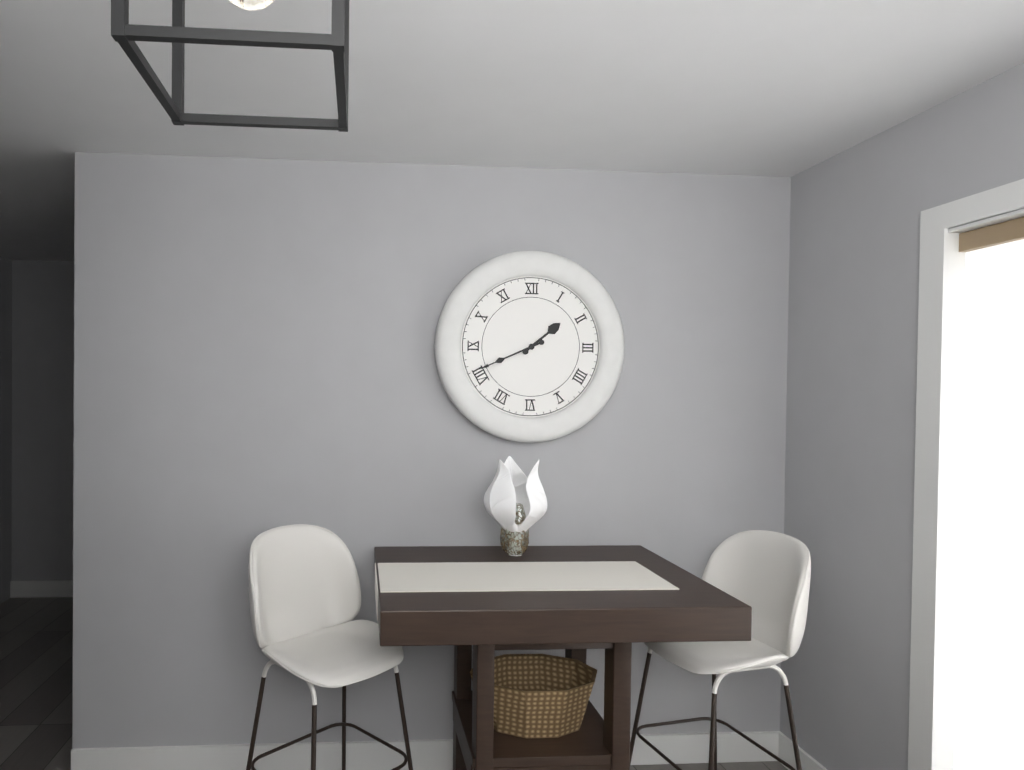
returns 1:41
